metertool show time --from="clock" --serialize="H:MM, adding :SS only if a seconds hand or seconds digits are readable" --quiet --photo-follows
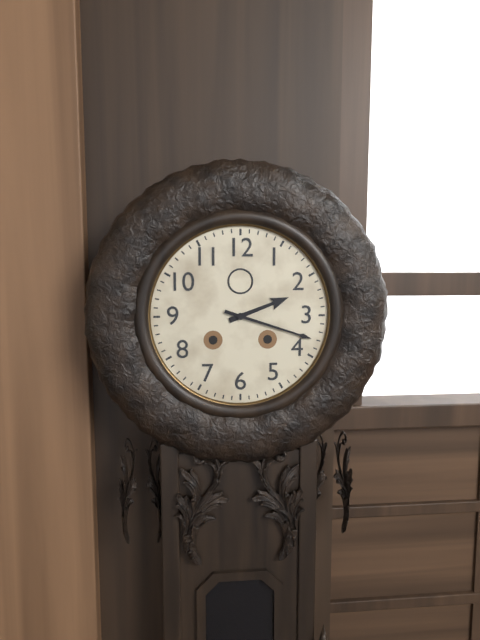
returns 2:18
